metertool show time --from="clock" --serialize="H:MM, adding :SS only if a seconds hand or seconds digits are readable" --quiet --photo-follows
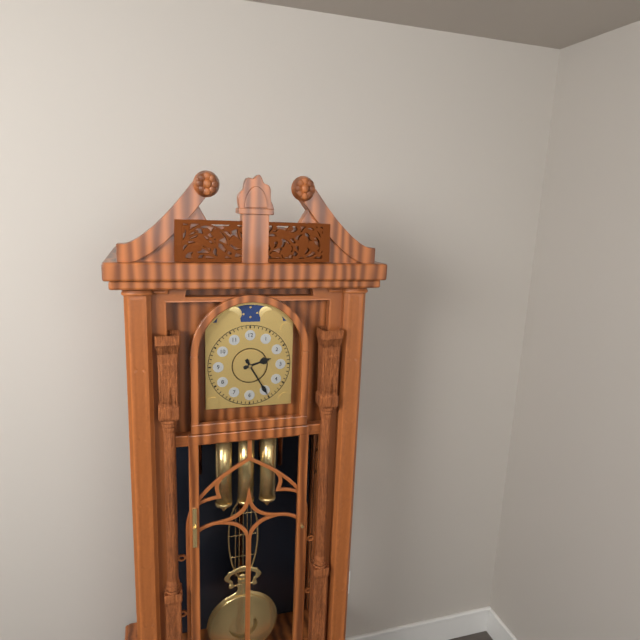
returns 2:25
